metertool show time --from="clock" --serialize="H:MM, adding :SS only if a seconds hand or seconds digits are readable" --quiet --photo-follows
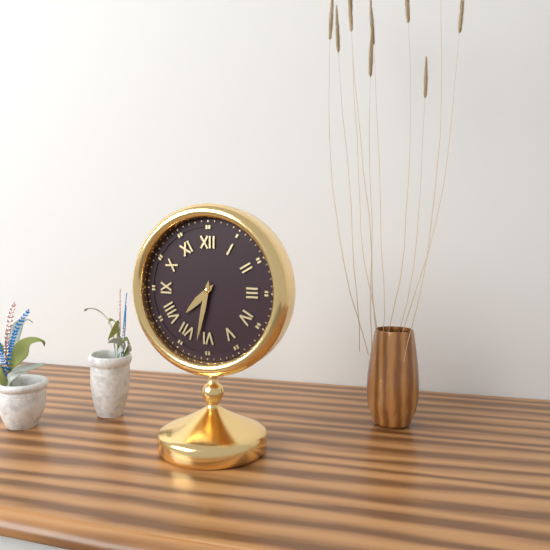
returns 7:32
